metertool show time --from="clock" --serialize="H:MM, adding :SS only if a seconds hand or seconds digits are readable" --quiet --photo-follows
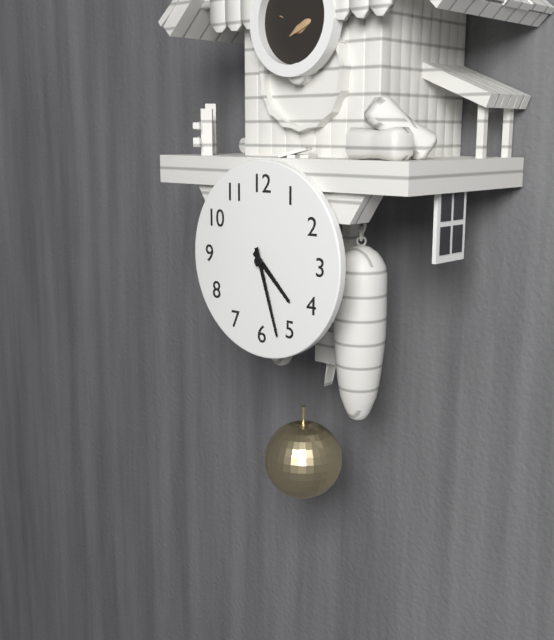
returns 4:27
